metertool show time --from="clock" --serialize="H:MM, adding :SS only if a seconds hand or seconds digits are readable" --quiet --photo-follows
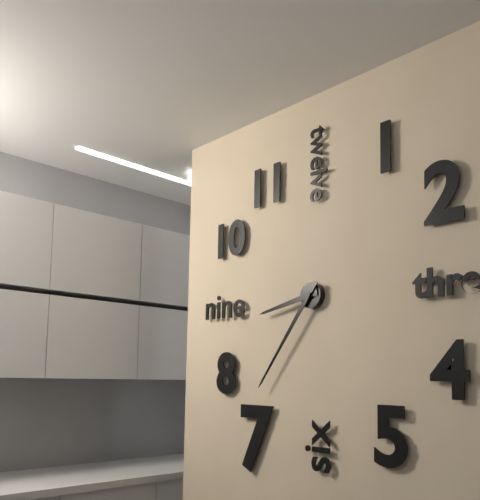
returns 8:36
